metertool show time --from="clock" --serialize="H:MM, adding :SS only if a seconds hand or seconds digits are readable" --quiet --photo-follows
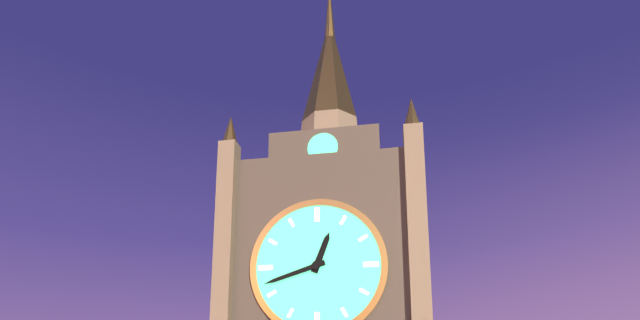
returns 12:42
